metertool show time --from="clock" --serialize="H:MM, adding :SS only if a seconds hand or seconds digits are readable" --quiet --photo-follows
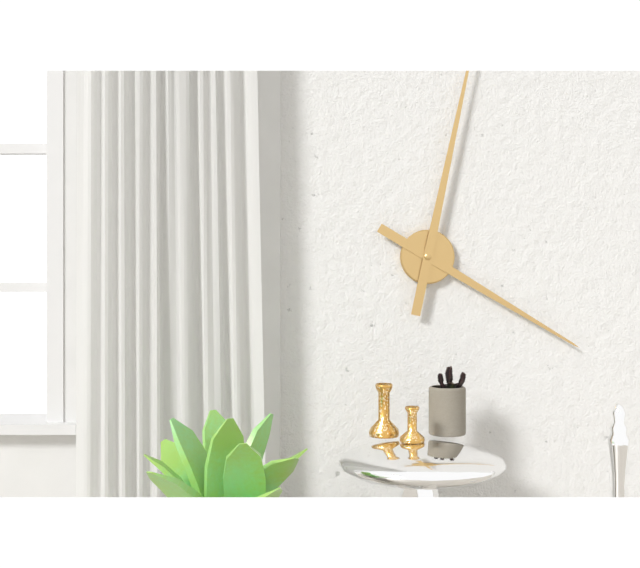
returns 4:02
